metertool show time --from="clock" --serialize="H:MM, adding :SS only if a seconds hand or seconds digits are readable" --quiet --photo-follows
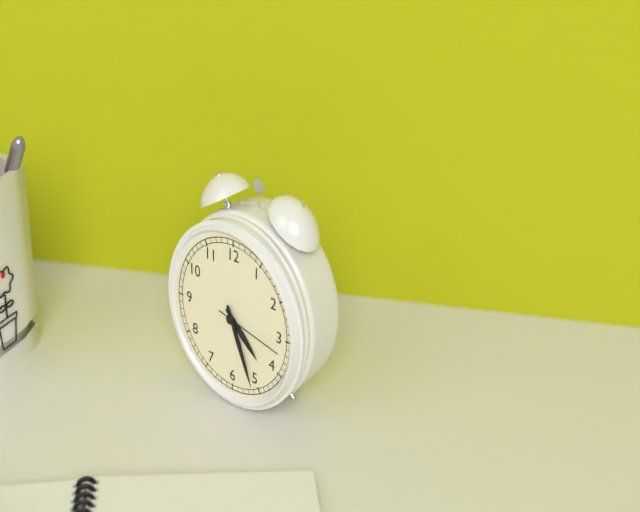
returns 4:26:17
